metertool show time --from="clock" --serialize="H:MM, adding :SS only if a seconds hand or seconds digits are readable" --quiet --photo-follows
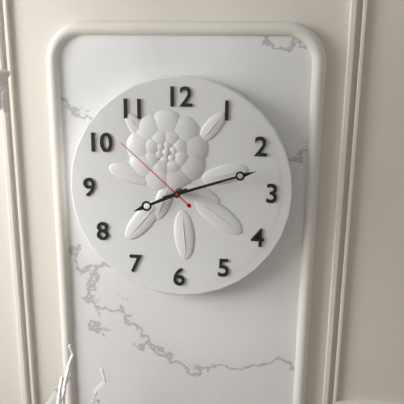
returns 8:12:52
